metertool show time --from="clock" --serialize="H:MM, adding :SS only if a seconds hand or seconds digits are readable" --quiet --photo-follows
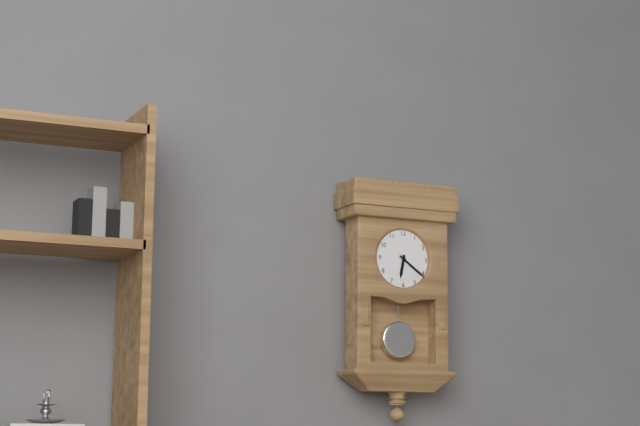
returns 6:21
